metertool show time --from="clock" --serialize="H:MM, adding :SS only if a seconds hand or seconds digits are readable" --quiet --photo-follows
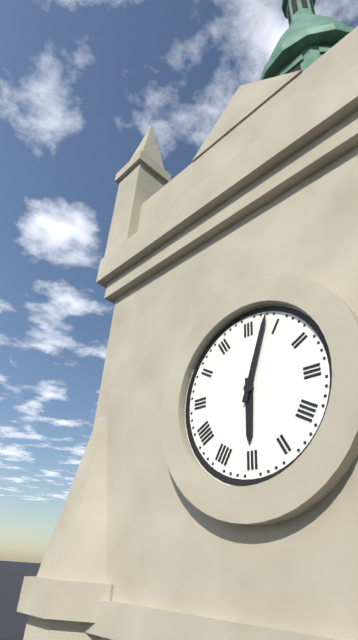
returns 6:03
